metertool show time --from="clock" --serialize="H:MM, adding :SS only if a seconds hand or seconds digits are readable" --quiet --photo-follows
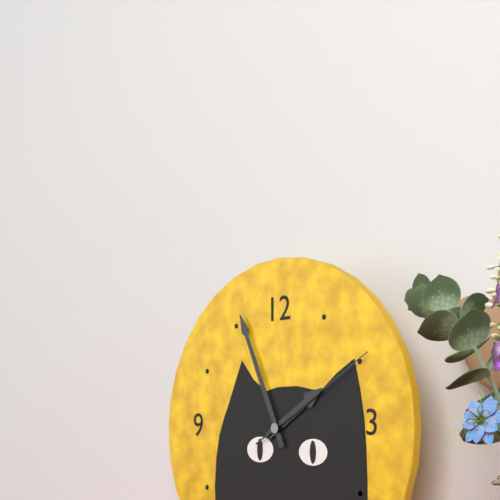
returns 1:56:10
